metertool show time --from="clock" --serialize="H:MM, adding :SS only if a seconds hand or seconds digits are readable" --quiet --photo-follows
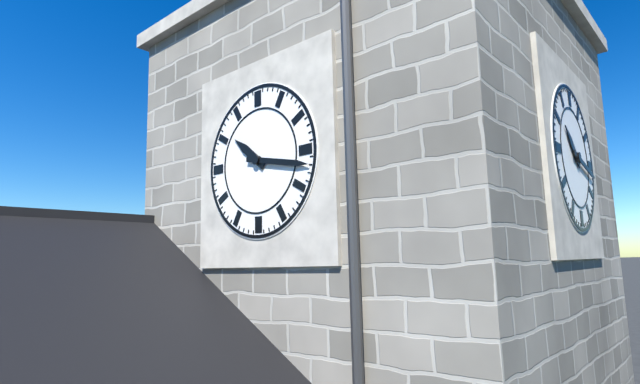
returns 10:17
